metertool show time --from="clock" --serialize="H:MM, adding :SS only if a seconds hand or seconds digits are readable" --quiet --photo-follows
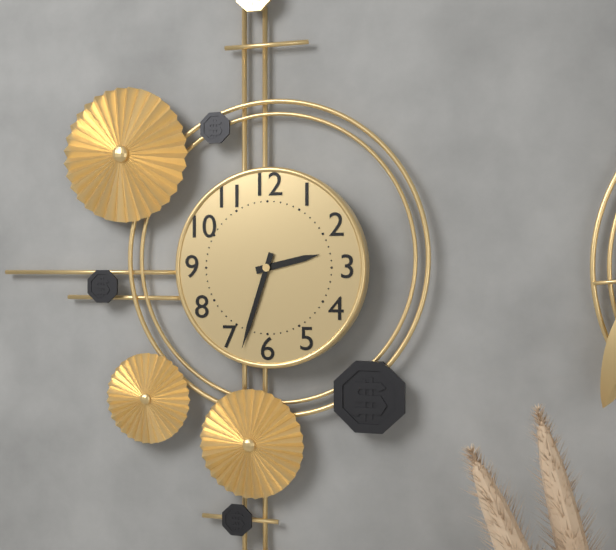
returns 2:33
